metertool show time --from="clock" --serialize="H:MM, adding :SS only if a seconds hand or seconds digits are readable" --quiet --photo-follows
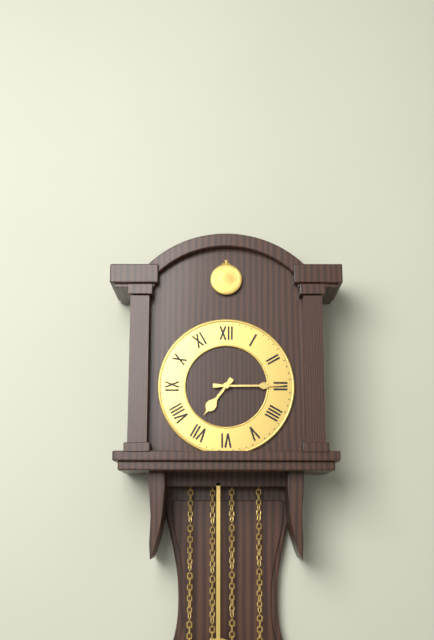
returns 7:15
